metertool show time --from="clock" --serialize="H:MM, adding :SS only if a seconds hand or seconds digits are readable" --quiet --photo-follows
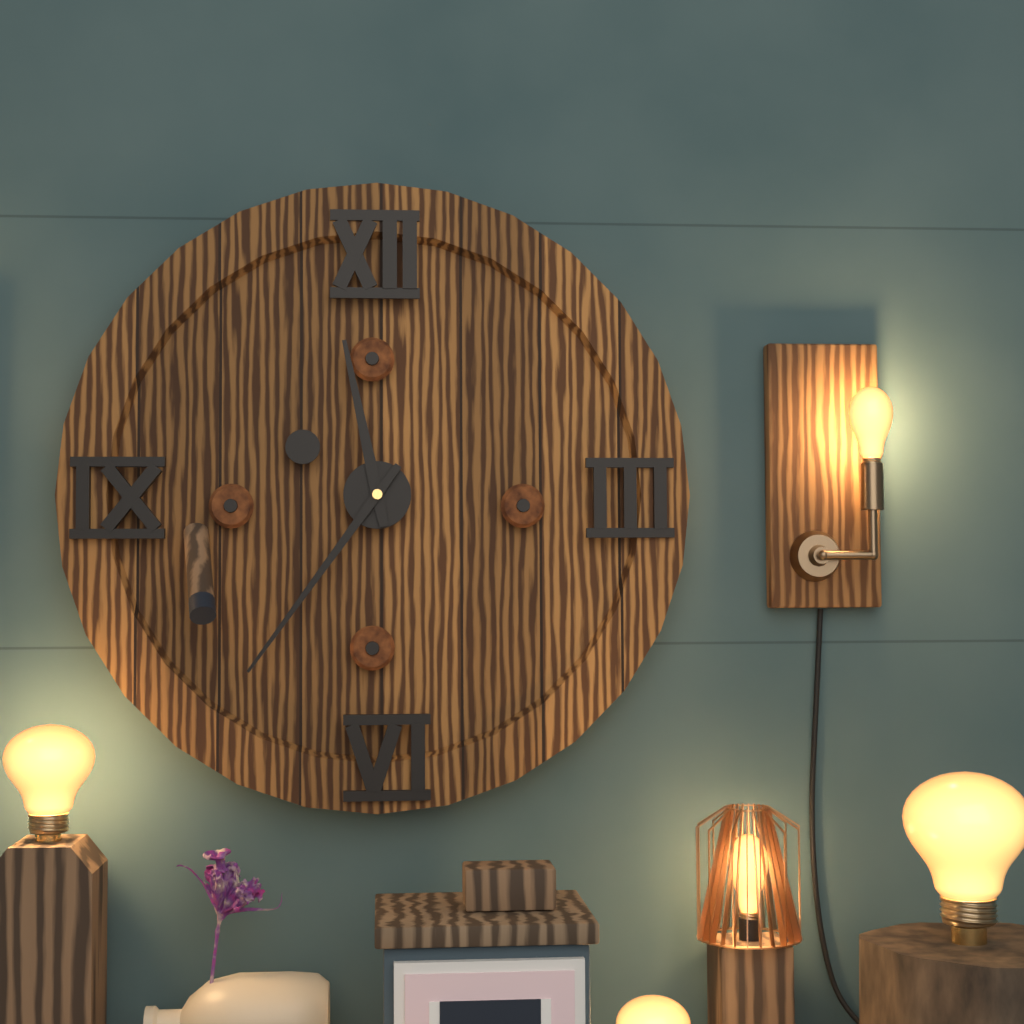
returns 11:36
